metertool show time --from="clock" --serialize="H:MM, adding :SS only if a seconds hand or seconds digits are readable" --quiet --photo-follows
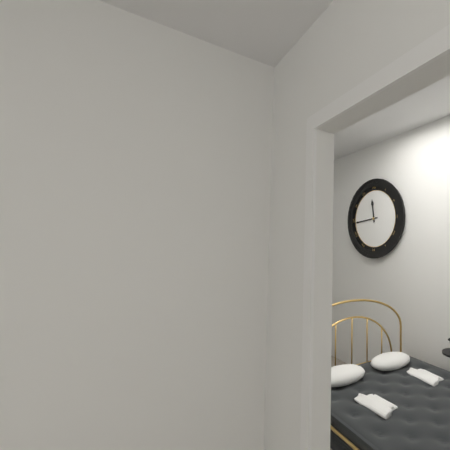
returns 11:44
